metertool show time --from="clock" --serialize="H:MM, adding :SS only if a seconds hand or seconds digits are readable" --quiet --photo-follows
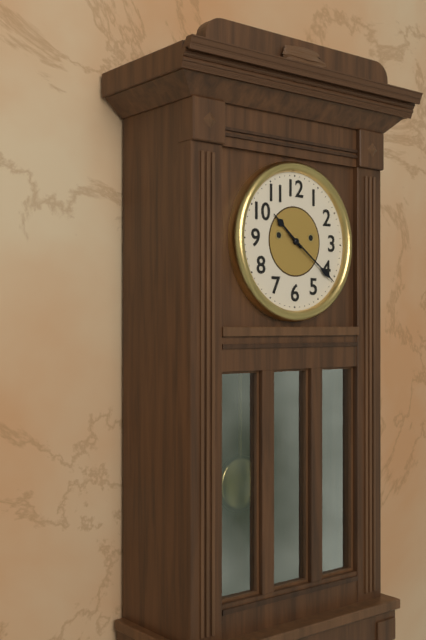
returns 10:21
